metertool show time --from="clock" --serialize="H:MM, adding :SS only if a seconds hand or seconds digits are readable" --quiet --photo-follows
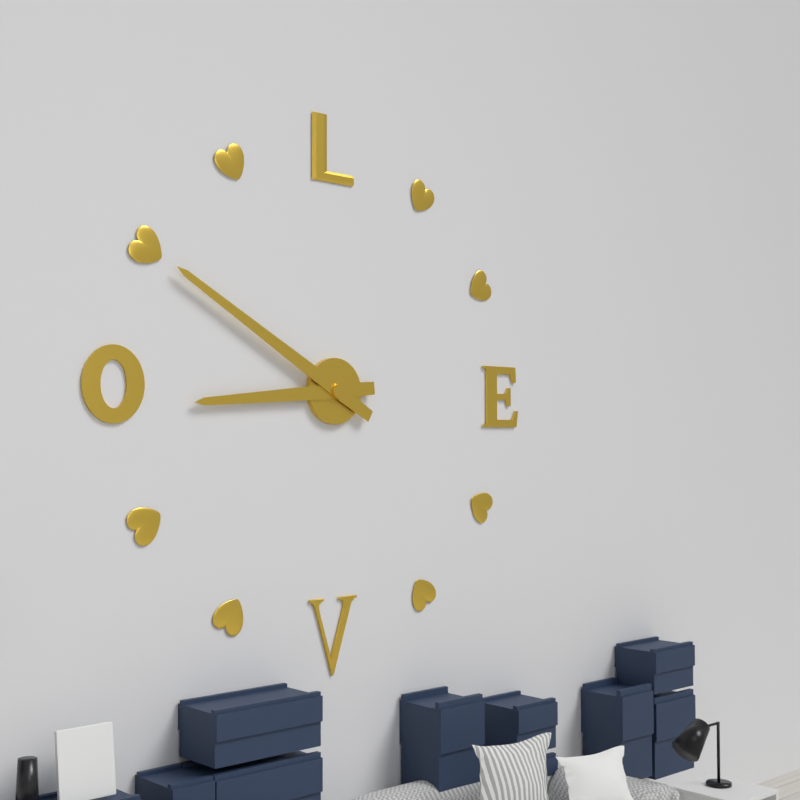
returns 8:50
